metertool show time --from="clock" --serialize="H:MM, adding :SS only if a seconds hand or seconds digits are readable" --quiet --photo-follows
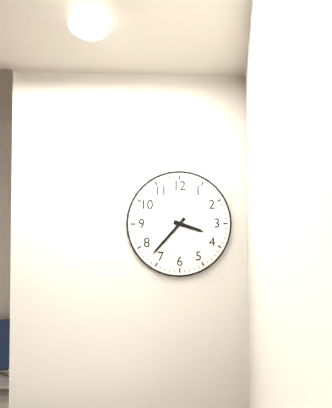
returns 3:37
